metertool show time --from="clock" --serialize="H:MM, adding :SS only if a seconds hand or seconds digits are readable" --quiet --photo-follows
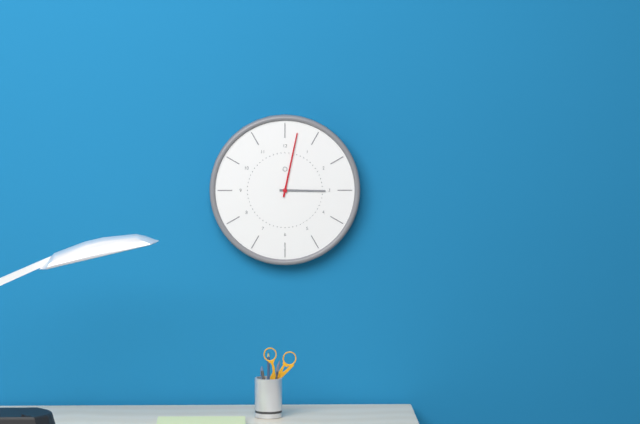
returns 3:02
